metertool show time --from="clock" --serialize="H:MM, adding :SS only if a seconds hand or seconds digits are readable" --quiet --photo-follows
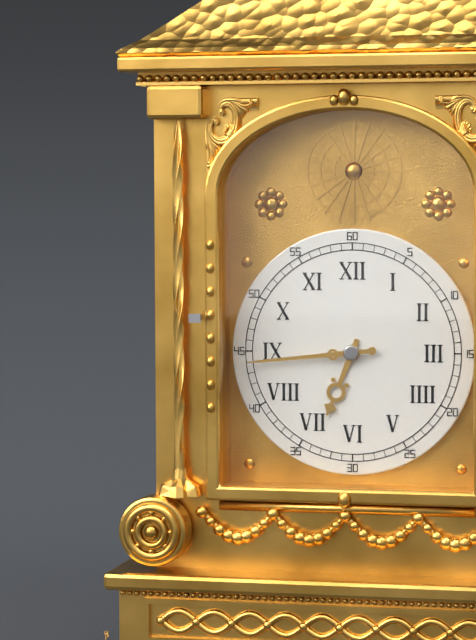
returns 6:44
